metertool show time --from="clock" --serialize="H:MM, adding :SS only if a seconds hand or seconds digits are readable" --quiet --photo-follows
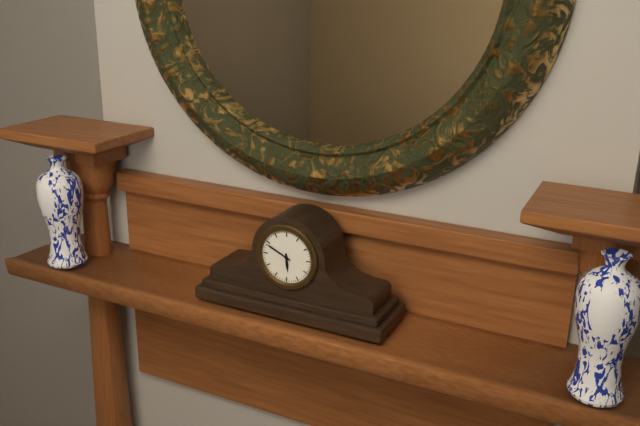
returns 5:49
